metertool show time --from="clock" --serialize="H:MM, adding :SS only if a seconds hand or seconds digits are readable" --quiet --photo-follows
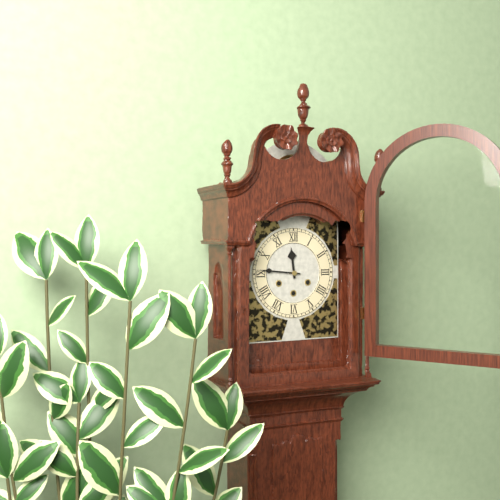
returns 11:46
